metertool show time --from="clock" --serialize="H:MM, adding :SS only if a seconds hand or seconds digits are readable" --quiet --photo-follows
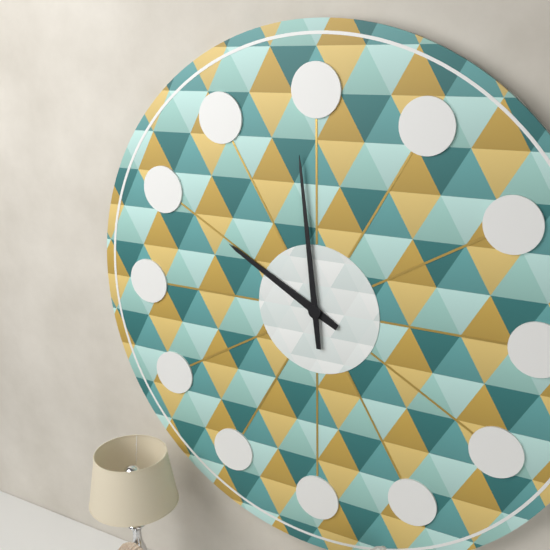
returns 9:59
